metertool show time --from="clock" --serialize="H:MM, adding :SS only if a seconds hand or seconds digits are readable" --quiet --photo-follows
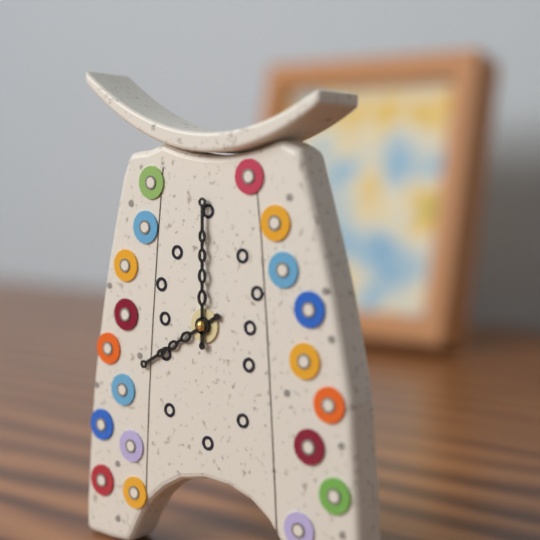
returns 8:00
